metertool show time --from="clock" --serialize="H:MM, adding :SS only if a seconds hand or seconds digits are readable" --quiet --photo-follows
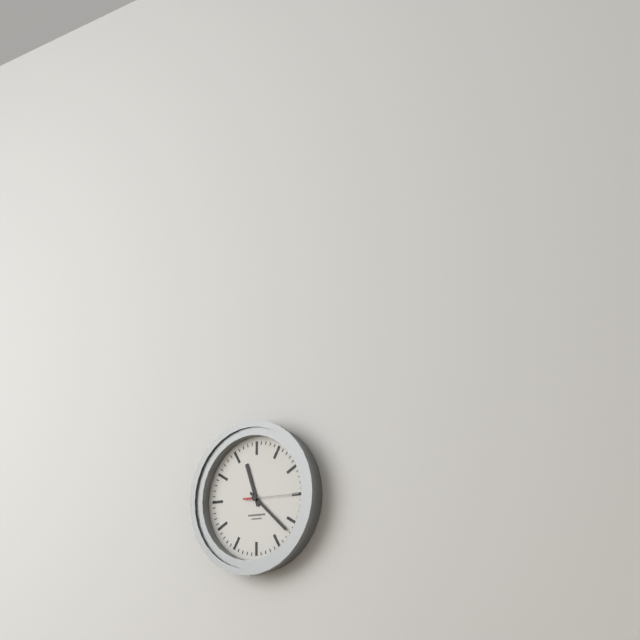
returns 11:22:15
